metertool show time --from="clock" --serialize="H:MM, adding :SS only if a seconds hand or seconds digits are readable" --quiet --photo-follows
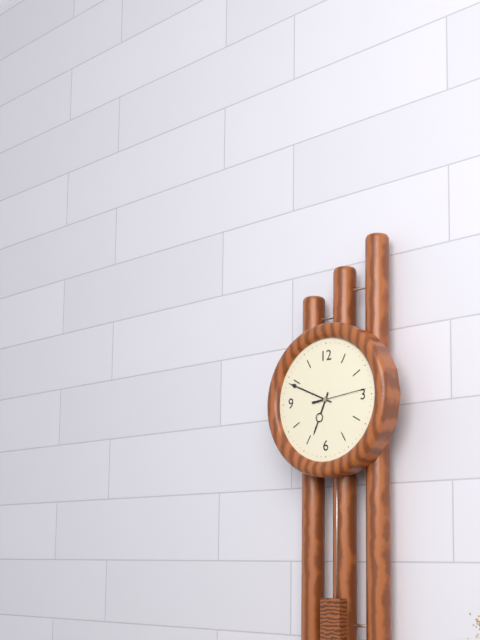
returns 6:49:14
